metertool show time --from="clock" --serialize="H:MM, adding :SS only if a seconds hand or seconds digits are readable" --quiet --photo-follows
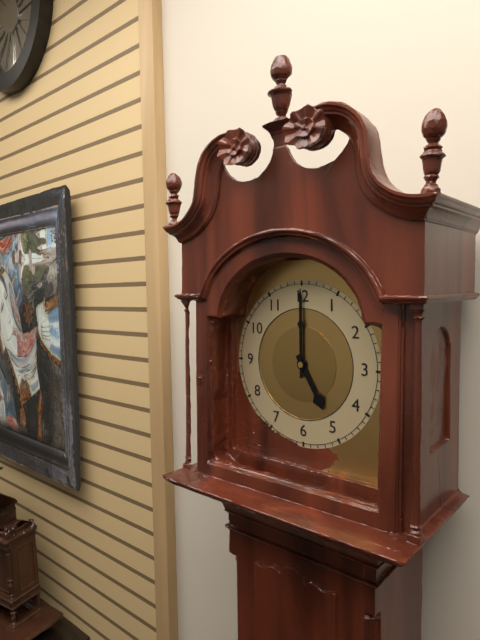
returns 5:00
